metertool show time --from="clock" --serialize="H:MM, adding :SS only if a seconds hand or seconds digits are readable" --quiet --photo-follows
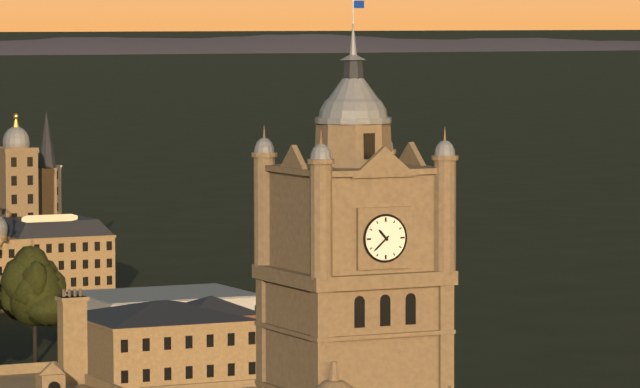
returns 10:38
